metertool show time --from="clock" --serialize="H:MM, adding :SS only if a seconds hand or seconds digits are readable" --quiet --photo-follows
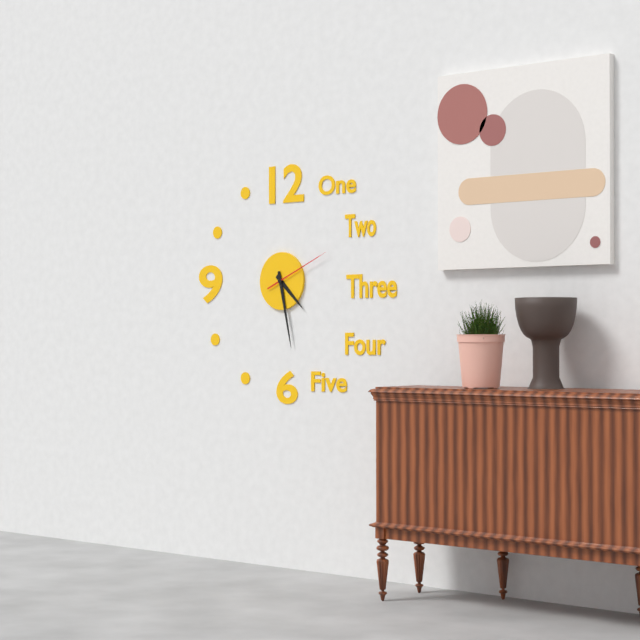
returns 4:28:11
